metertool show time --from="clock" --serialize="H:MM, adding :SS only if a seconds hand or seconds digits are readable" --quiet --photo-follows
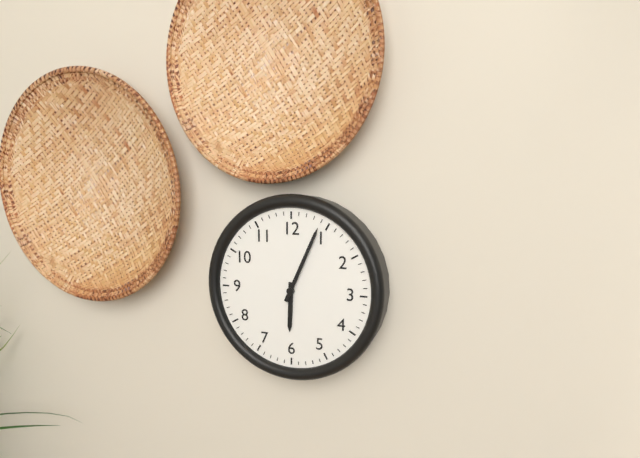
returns 6:04
